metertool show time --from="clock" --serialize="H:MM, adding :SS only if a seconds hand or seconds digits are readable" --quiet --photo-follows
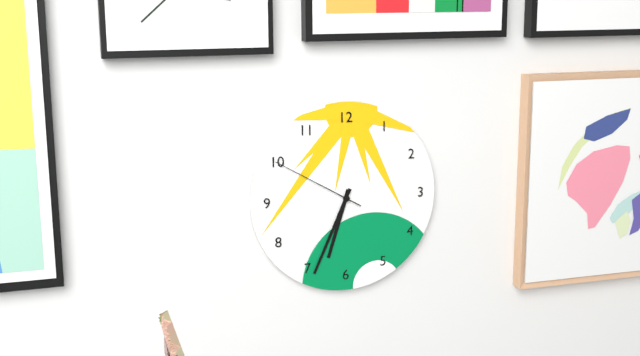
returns 6:34:50
